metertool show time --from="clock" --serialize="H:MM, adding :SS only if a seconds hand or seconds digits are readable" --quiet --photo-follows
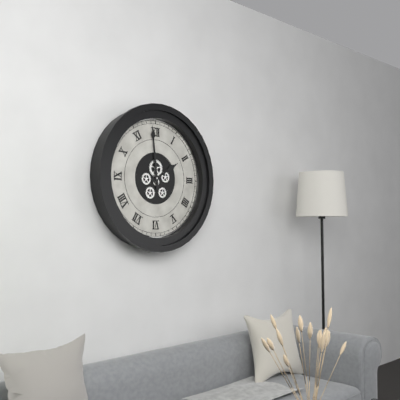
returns 1:59
